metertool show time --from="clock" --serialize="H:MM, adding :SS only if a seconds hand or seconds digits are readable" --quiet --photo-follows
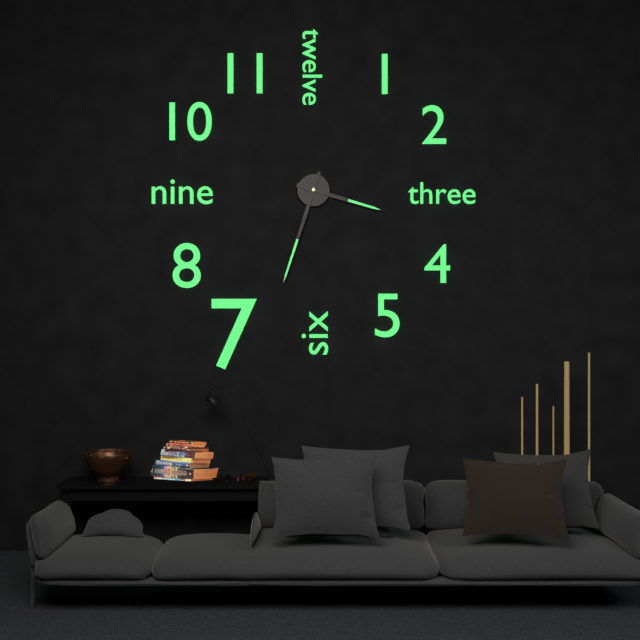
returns 3:33
